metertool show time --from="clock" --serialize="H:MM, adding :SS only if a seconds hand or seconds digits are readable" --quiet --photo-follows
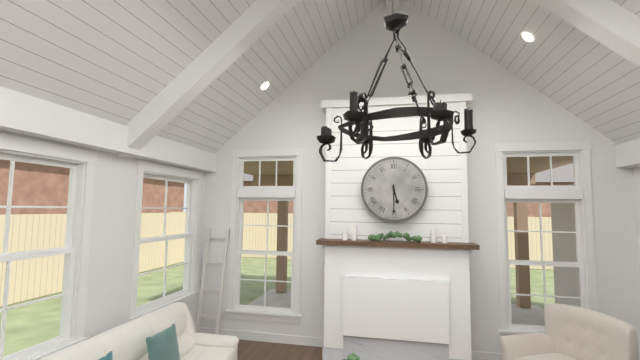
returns 5:30
